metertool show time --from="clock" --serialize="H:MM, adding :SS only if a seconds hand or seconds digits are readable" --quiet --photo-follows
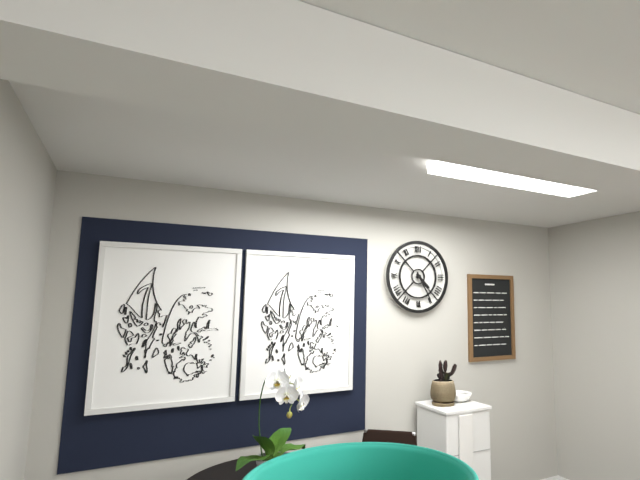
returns 4:25
